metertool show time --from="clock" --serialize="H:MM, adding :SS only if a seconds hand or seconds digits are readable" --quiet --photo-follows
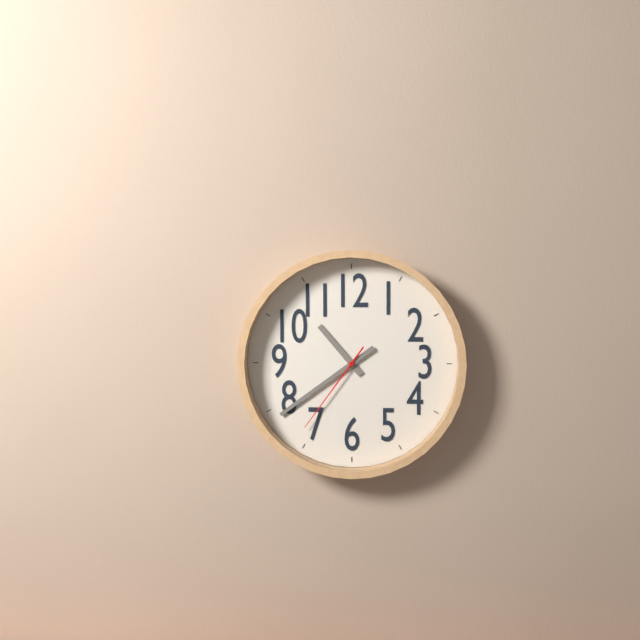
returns 10:39:36
